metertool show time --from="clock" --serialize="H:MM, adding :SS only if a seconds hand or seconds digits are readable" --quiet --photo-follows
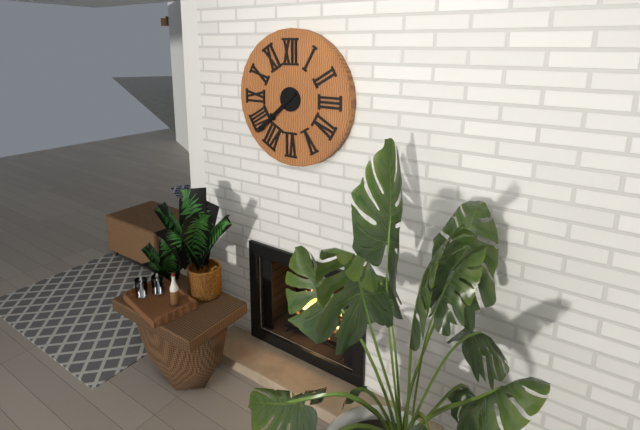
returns 7:38
